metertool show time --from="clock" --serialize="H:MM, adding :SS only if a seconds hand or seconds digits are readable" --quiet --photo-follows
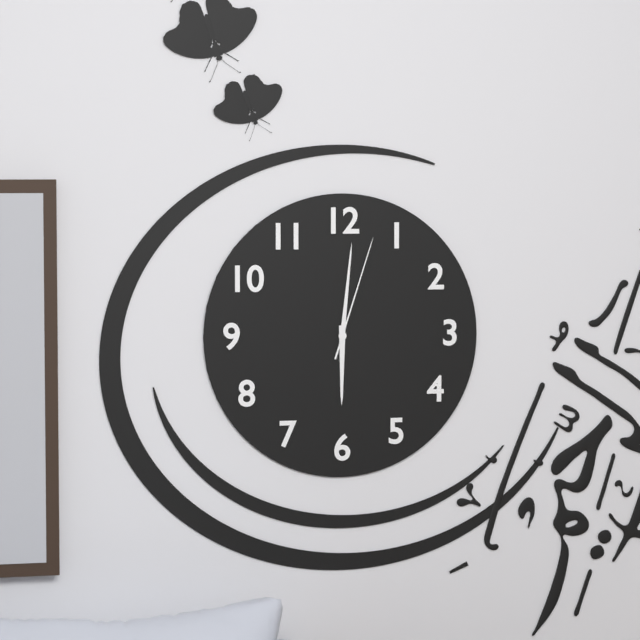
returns 6:01:03
